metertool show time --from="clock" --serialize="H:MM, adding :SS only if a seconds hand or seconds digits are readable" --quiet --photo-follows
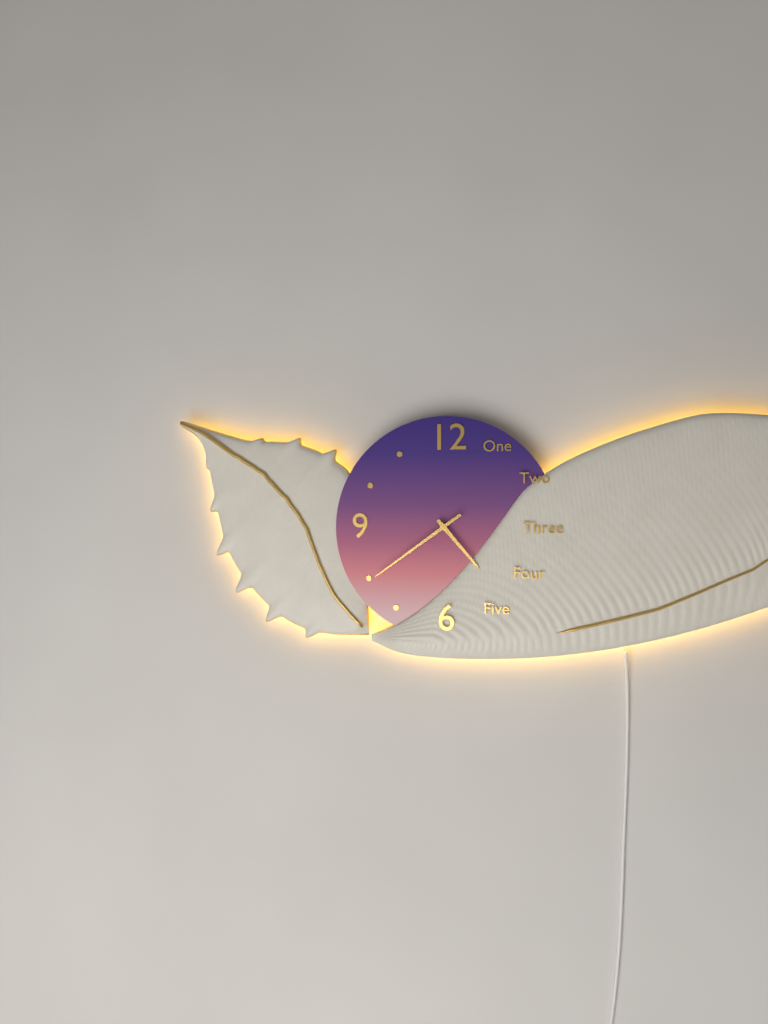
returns 4:39
